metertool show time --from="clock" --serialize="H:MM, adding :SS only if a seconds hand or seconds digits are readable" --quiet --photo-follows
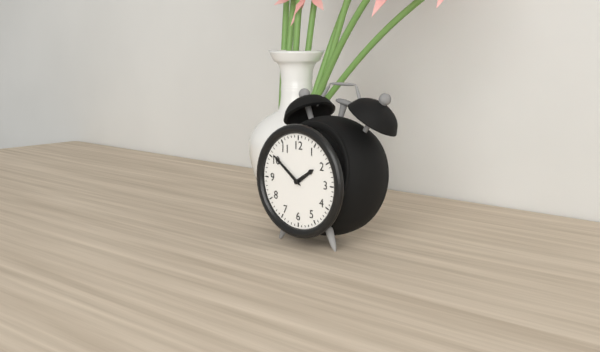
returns 1:51
